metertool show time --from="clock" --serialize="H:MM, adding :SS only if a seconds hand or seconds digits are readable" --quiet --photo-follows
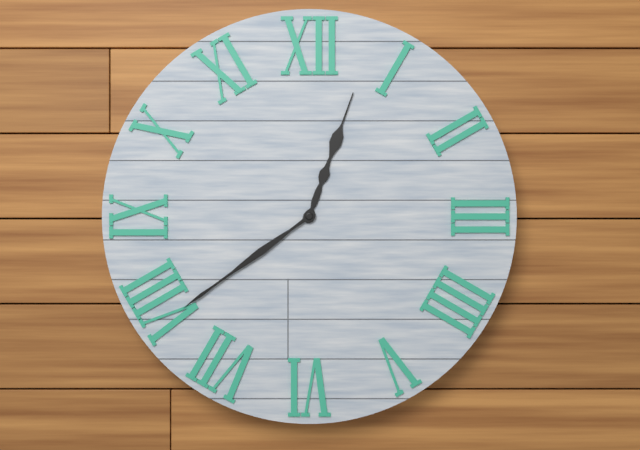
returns 12:39
